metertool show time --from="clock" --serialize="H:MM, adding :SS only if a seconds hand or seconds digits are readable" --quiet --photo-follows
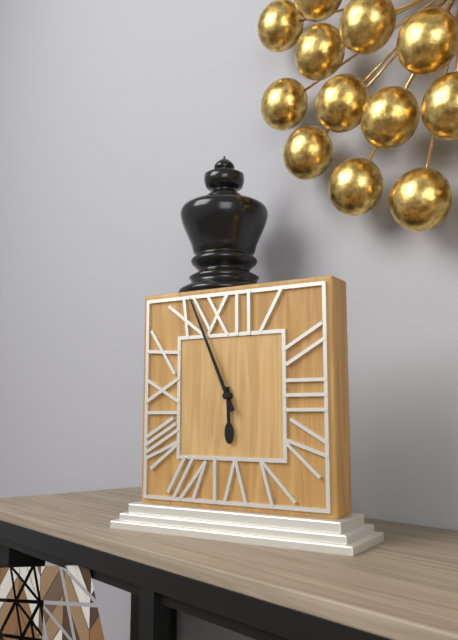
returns 5:56
